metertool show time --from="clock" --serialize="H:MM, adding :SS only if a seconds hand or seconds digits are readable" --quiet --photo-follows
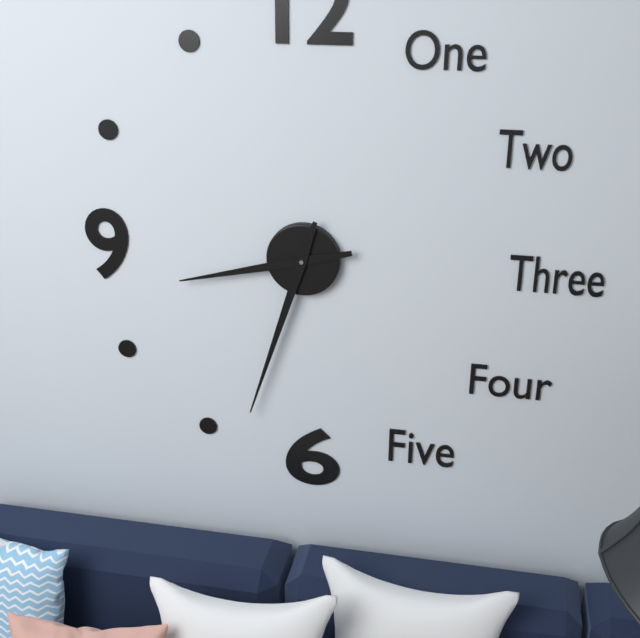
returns 8:33
